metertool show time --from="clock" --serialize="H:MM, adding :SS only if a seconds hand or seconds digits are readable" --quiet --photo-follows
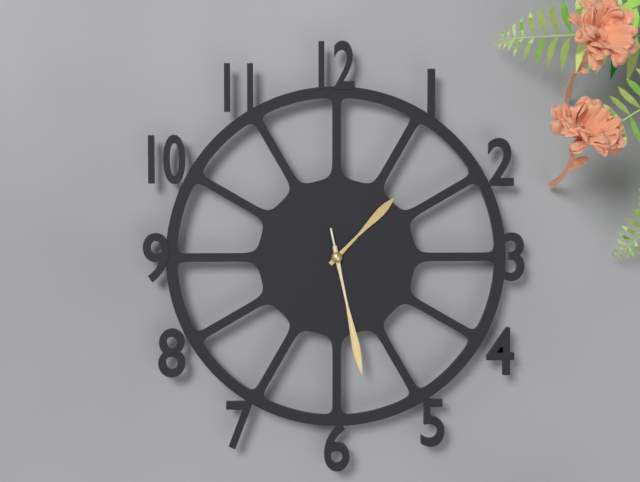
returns 1:28:28
